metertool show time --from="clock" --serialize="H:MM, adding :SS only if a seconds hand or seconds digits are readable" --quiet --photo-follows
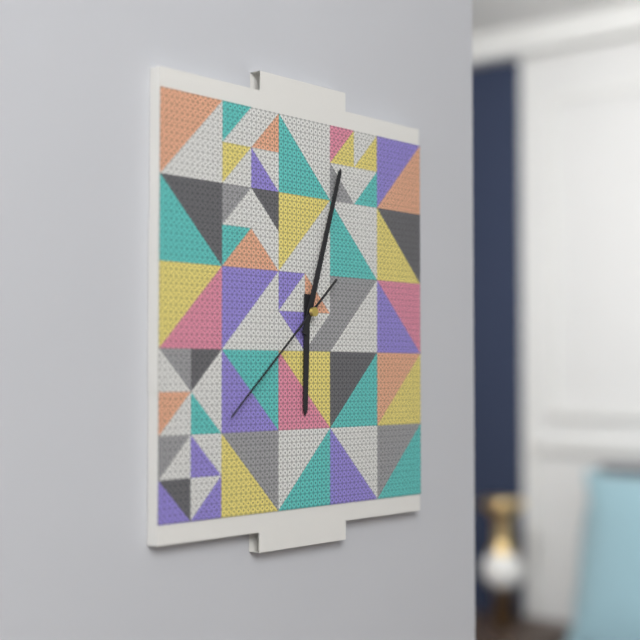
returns 6:03:38
